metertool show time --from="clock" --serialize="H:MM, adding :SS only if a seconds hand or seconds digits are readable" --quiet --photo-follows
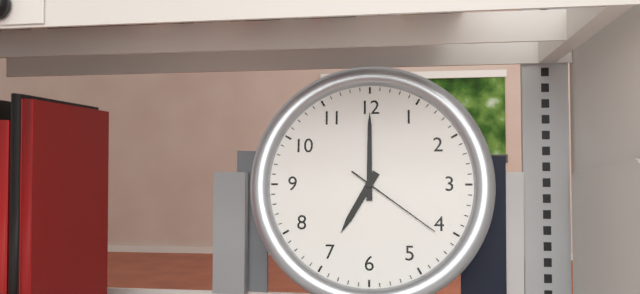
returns 7:00:21
